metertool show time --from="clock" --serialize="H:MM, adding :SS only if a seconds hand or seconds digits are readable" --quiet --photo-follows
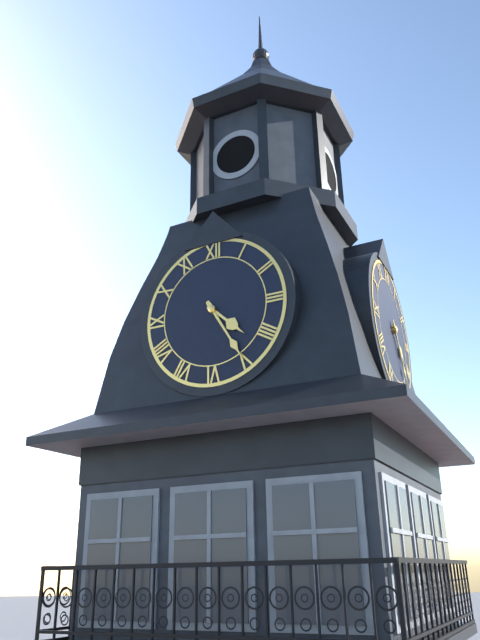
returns 4:25
